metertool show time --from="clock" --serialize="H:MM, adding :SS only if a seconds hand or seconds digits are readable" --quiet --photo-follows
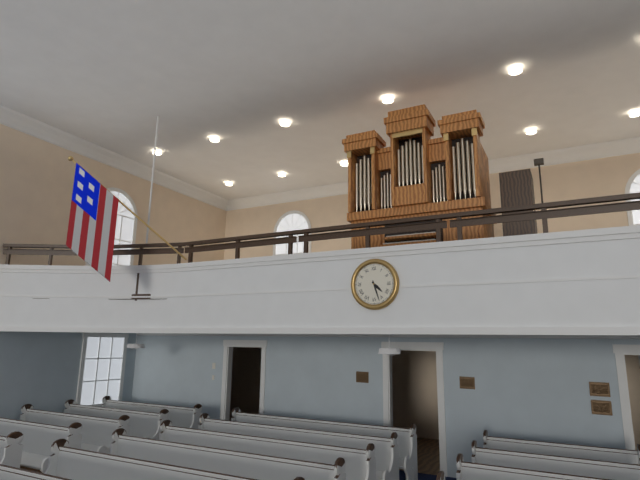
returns 4:27
